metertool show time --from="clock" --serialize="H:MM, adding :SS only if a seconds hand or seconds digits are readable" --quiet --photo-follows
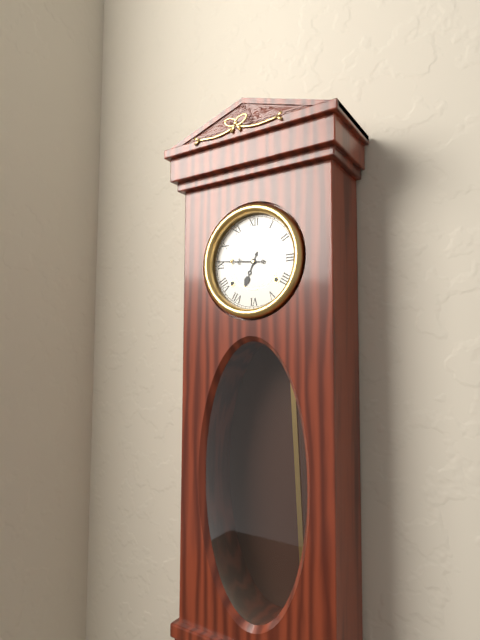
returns 6:46
